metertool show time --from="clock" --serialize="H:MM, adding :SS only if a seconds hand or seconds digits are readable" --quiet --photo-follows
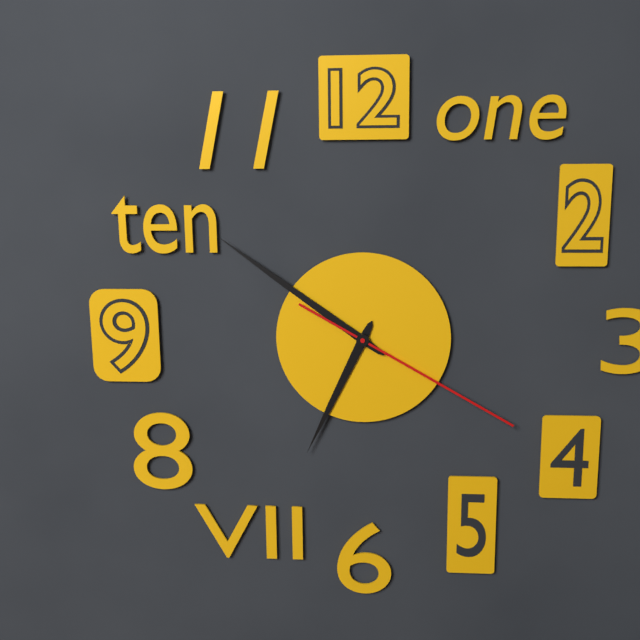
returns 6:51:20
